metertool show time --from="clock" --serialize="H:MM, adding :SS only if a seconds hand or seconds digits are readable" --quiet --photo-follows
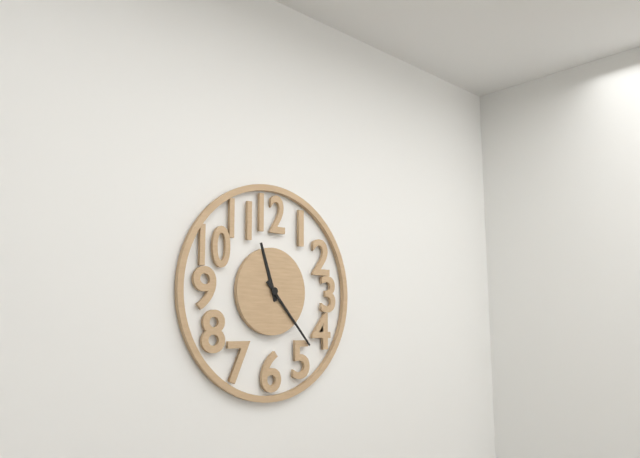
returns 11:23
